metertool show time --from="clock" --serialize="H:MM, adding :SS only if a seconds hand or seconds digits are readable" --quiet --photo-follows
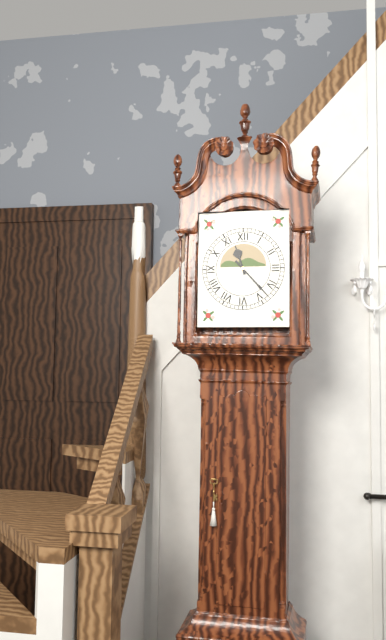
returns 11:23
